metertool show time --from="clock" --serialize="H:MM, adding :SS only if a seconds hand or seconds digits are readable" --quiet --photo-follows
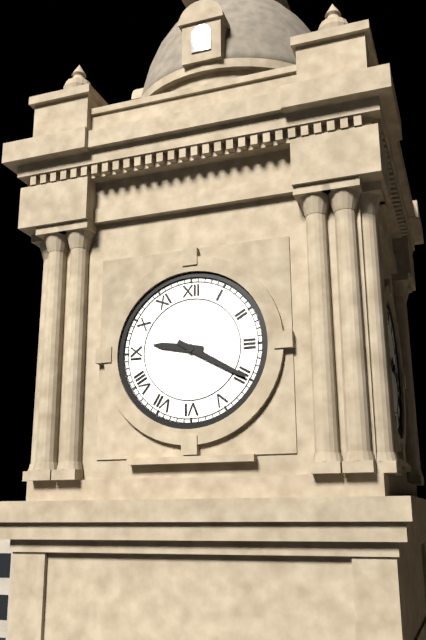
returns 9:20
